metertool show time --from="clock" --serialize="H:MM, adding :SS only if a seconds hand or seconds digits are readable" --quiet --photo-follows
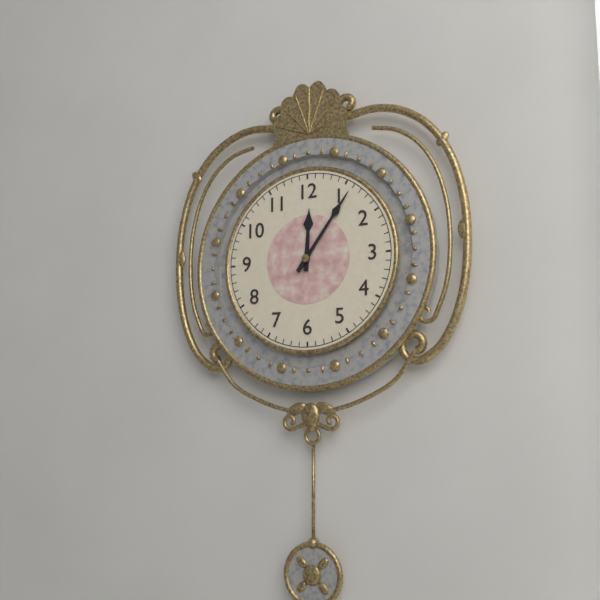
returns 12:06
